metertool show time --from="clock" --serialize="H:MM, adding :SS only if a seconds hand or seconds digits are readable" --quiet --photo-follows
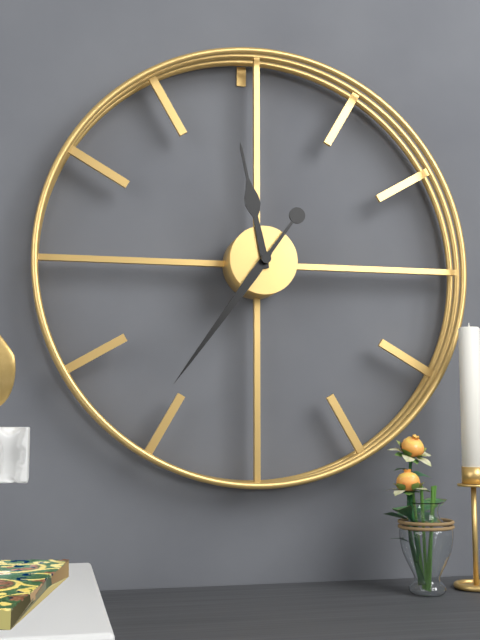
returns 11:36
